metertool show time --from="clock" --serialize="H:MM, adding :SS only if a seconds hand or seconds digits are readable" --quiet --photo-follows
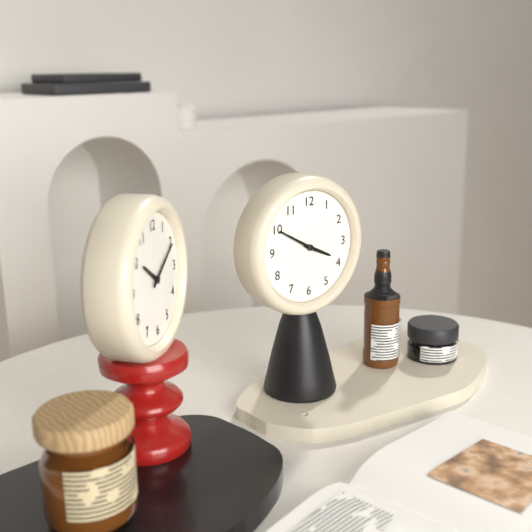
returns 3:50
